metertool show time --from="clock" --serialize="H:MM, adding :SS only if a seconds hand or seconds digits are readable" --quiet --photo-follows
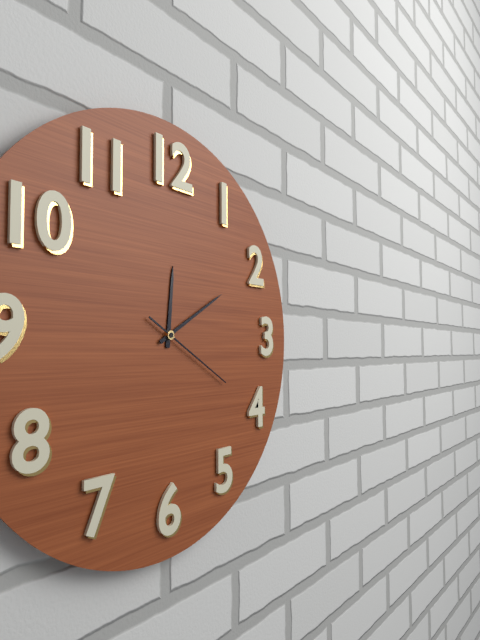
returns 12:10:20
